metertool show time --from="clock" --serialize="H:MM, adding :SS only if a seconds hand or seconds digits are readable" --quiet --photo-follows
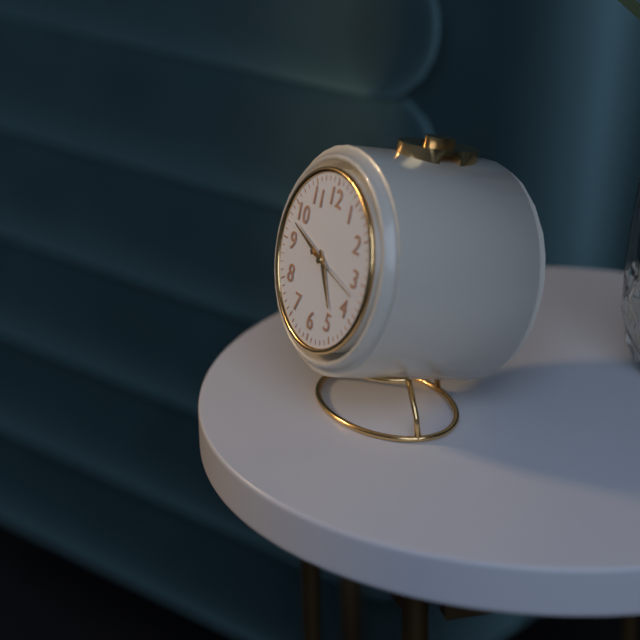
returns 4:48:17
